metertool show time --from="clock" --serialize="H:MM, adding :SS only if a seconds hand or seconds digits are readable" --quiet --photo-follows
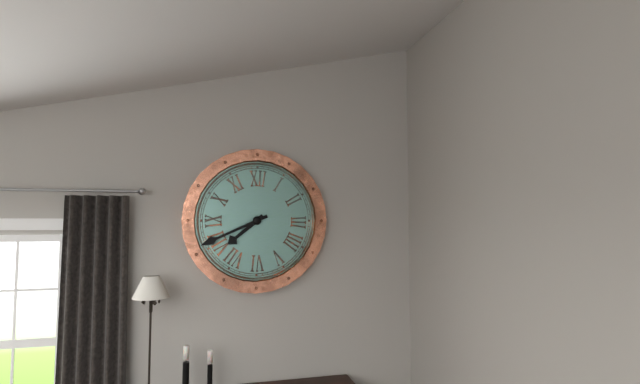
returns 7:41
